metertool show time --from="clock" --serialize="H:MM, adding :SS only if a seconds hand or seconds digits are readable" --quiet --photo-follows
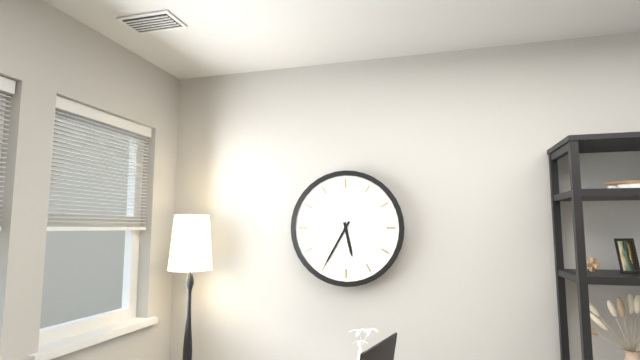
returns 5:35
